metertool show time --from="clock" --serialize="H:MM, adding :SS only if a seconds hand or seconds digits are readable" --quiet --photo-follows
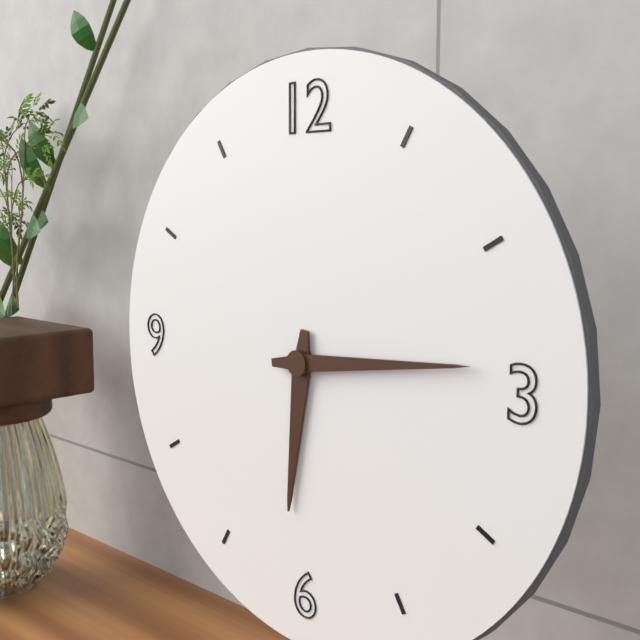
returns 6:14
